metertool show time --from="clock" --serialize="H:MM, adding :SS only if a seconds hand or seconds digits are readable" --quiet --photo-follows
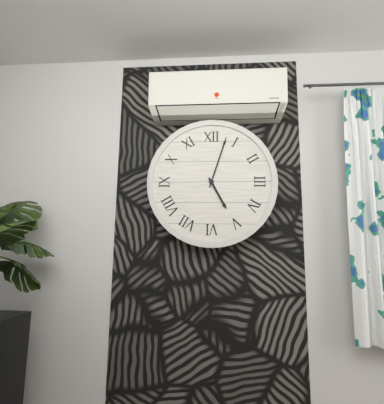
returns 5:03
